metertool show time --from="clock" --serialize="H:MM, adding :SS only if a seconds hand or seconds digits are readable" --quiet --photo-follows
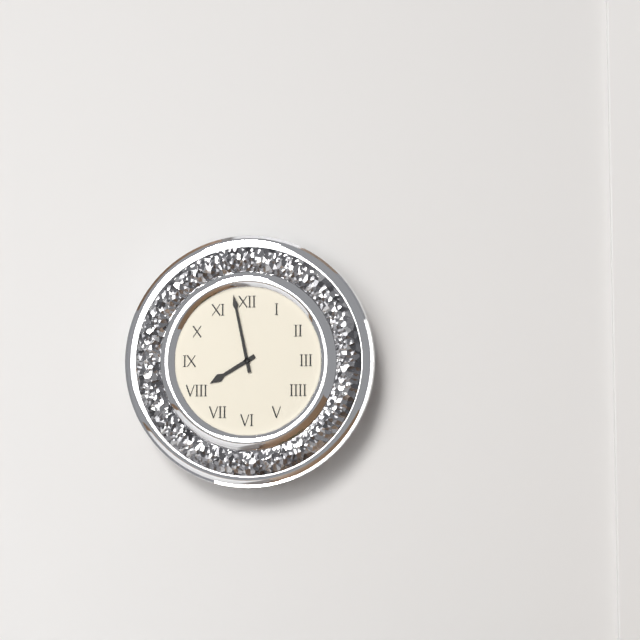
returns 7:58
